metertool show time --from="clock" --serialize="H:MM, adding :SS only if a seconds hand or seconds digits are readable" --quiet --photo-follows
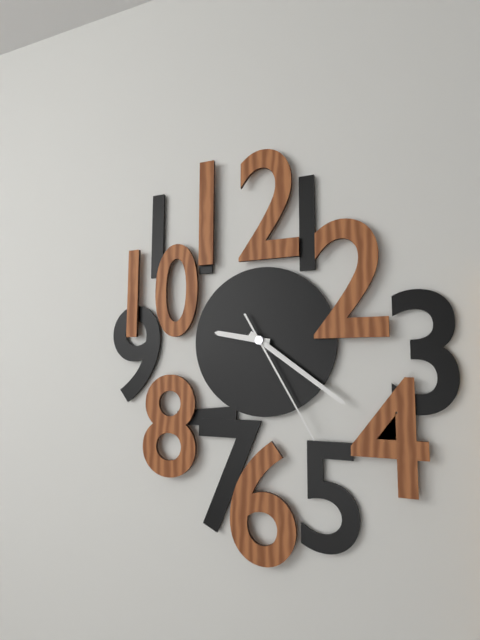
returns 9:21:25
